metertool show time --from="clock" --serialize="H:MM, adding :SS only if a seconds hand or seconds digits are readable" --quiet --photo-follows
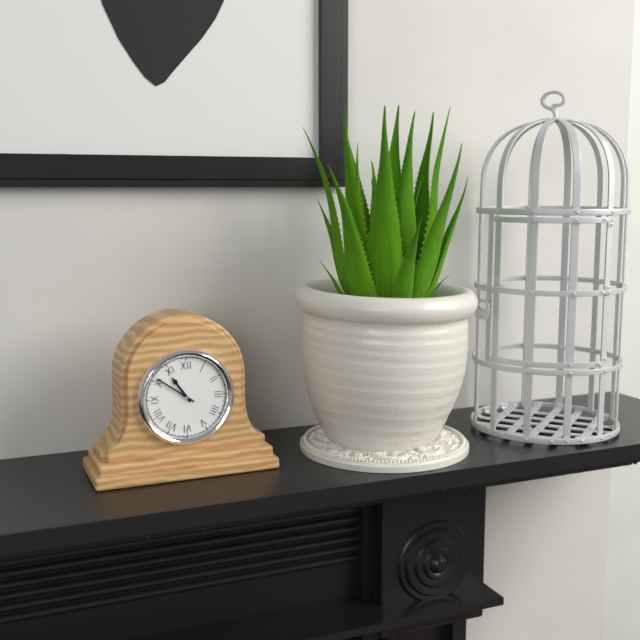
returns 10:51
